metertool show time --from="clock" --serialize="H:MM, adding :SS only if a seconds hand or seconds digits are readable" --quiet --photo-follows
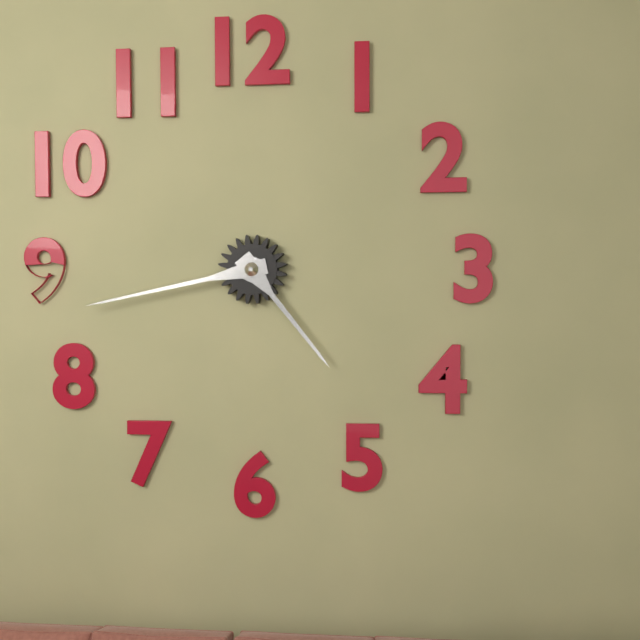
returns 4:43
